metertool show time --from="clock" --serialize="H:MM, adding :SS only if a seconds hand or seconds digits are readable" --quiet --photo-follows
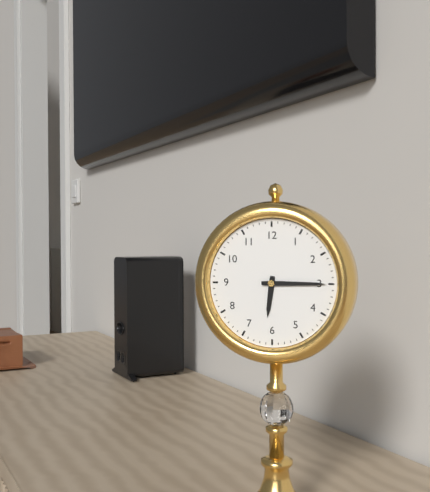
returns 6:15
